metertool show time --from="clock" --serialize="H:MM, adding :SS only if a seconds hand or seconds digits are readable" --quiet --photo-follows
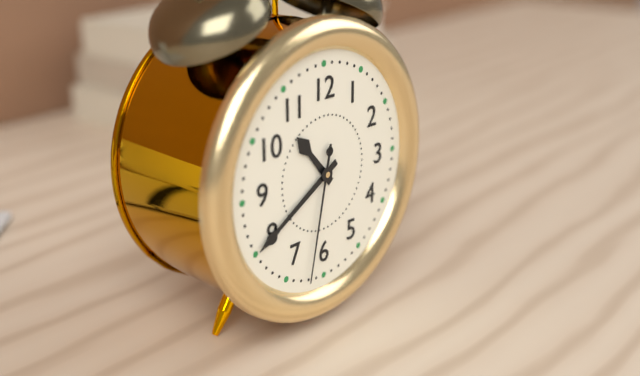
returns 10:40:32
